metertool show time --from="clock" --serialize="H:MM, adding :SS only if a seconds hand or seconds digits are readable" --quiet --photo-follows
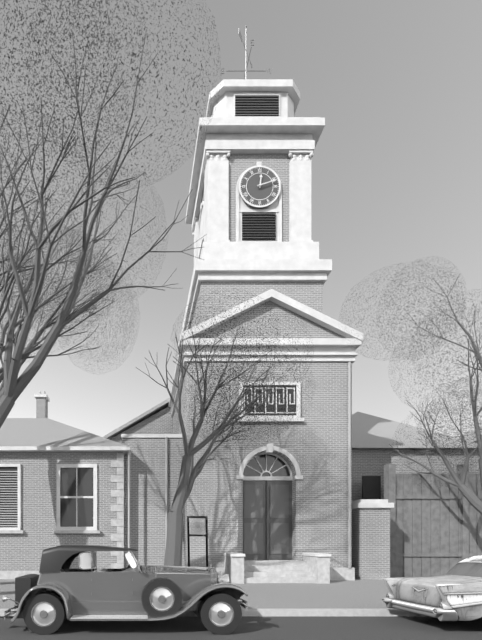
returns 12:12
